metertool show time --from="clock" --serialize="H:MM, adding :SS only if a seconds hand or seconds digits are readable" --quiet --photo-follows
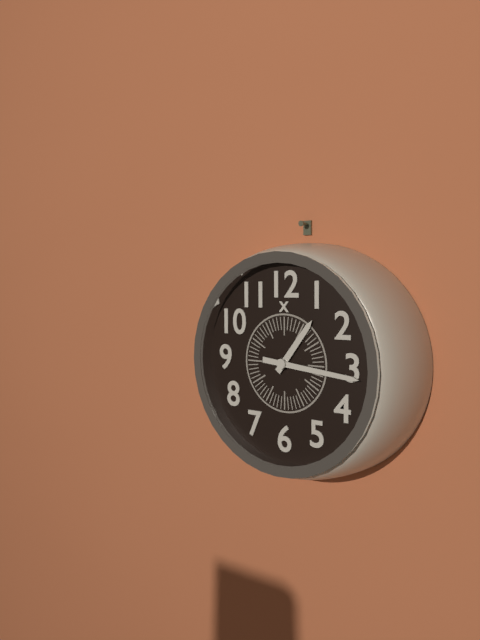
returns 1:16
